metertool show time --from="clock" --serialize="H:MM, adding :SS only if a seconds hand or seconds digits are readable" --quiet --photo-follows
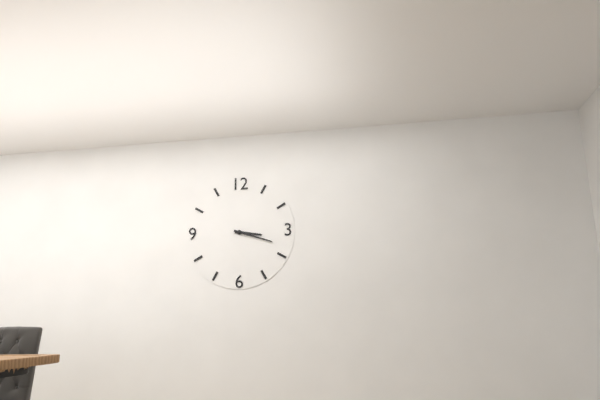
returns 3:18
